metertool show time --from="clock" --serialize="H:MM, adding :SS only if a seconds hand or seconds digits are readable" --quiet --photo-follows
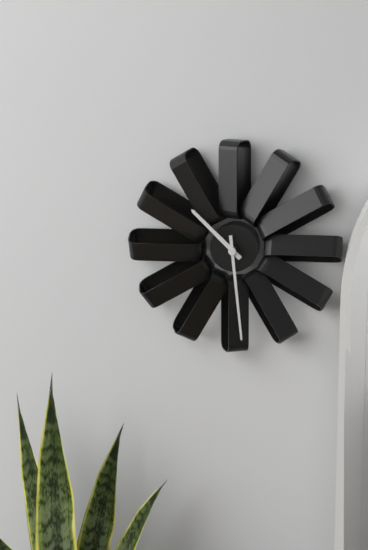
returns 10:29
